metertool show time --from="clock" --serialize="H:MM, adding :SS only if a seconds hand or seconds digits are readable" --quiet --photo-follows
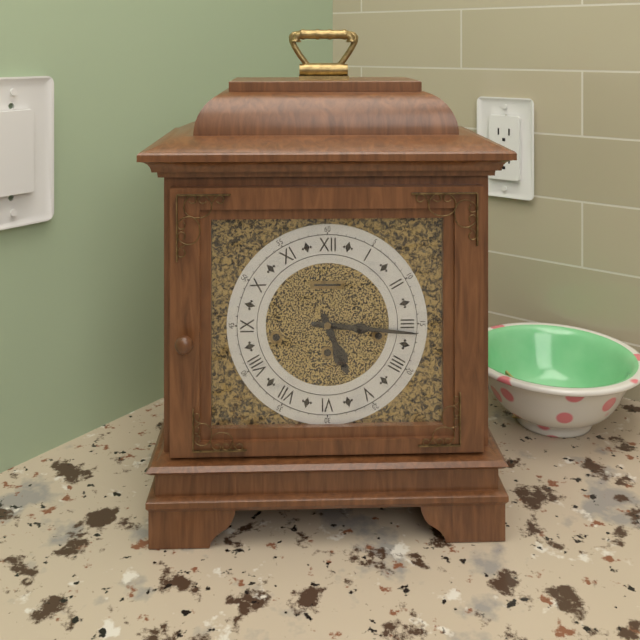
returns 5:16
